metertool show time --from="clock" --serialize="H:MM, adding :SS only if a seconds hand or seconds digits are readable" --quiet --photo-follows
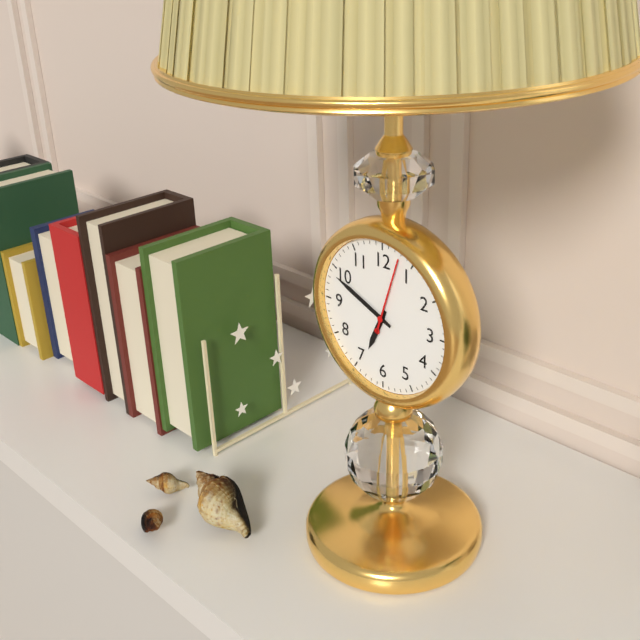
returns 6:49:03
